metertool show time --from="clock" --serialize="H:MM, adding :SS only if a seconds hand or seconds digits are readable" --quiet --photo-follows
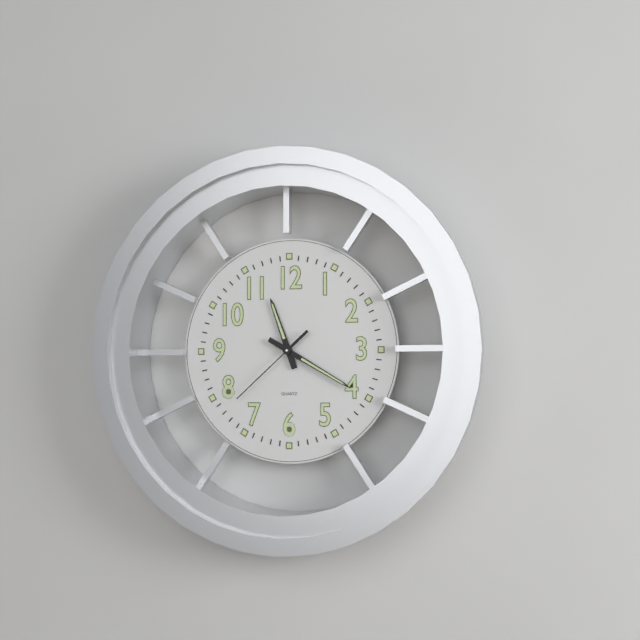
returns 11:20:38
